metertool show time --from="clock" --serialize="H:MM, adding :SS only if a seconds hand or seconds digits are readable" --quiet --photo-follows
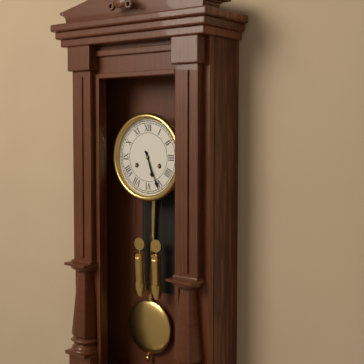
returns 5:26
